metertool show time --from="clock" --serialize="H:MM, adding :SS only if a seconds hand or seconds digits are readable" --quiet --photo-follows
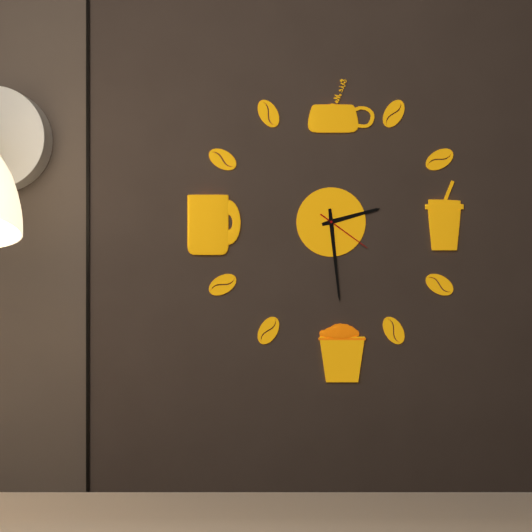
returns 2:29:21
